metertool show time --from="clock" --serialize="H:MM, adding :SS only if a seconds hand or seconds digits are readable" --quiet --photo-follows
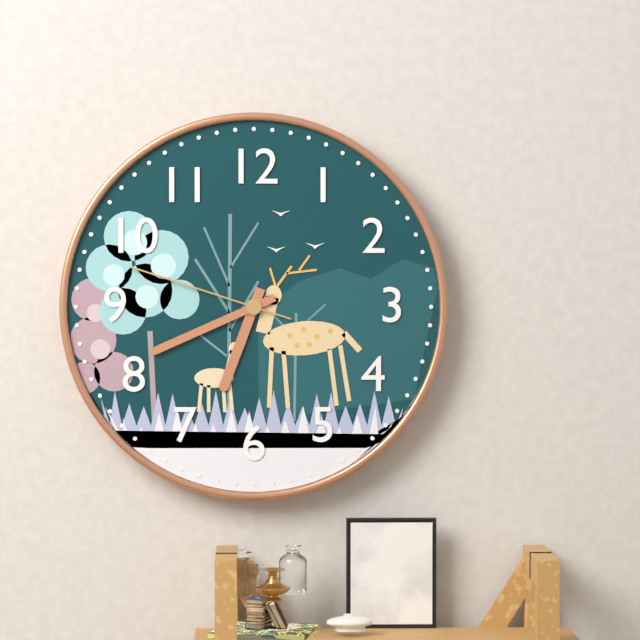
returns 6:41:48
